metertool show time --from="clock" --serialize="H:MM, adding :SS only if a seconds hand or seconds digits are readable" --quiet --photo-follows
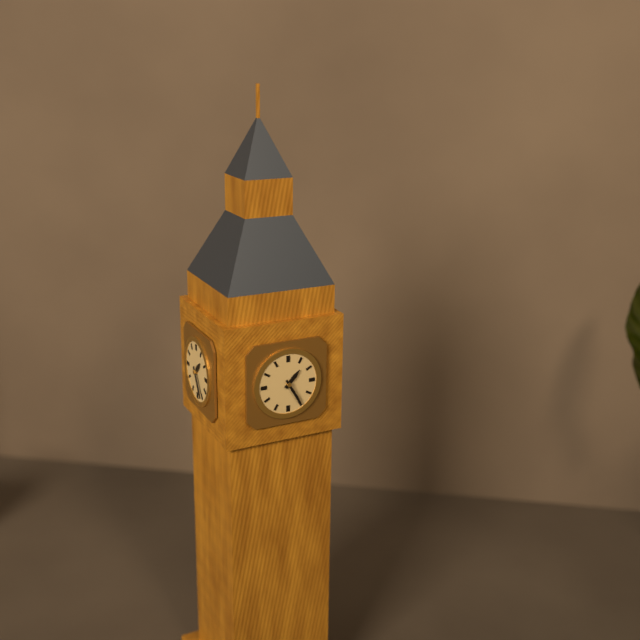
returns 1:25
